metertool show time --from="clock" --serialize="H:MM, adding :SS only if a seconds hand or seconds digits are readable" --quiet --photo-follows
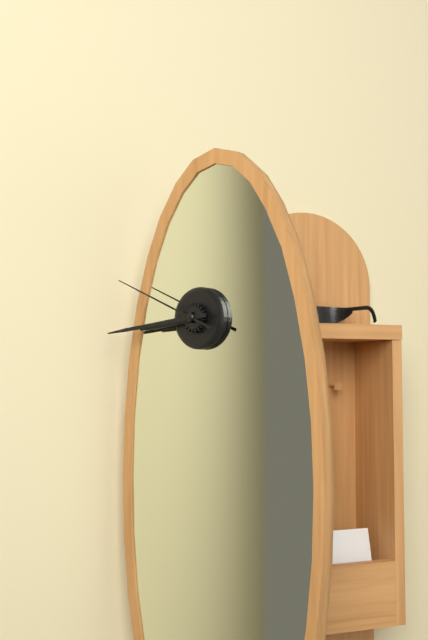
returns 8:44:49
